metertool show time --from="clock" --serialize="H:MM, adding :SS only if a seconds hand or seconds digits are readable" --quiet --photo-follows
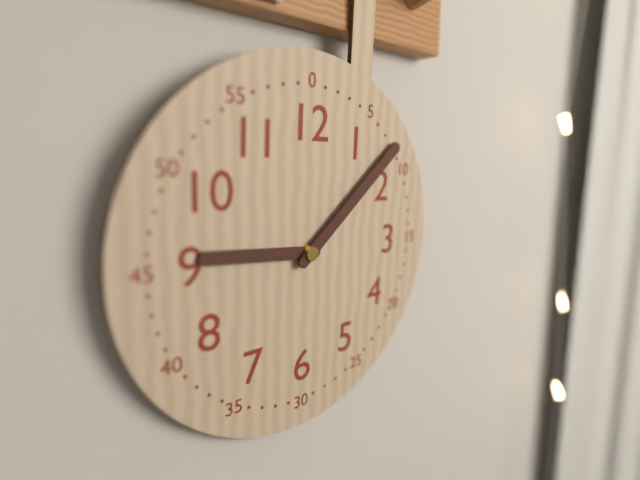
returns 9:08
